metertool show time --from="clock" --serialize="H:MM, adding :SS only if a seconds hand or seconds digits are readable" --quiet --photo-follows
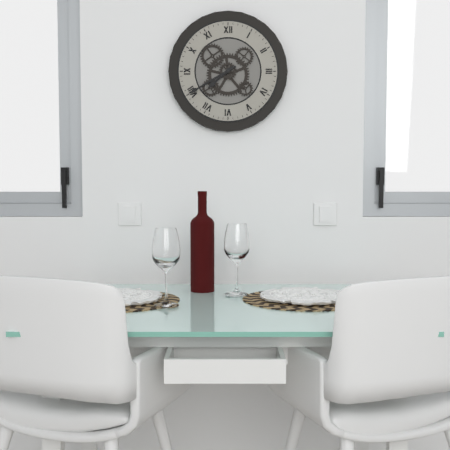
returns 7:40
